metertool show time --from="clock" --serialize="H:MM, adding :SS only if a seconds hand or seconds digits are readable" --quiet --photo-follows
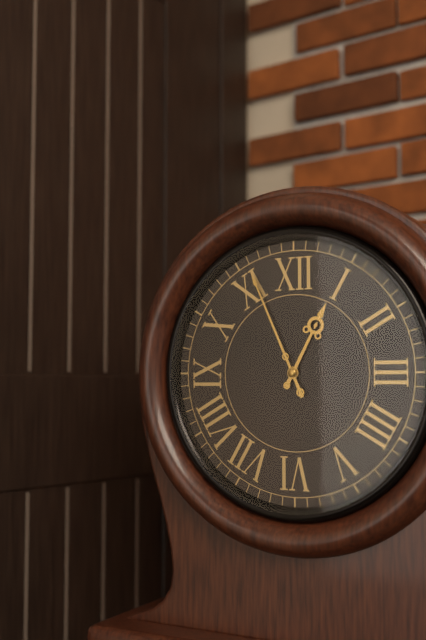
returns 12:56
